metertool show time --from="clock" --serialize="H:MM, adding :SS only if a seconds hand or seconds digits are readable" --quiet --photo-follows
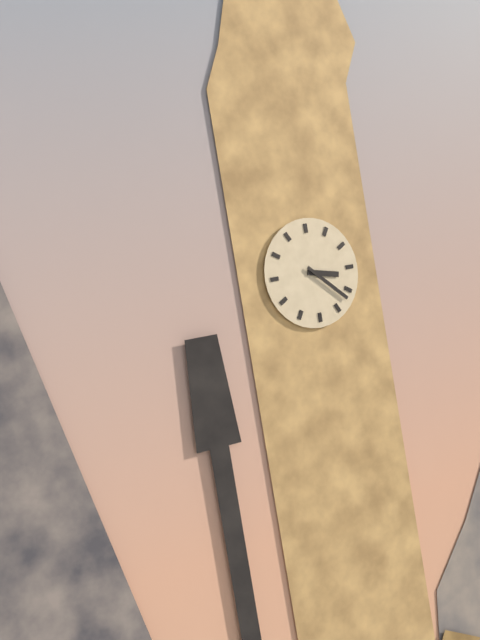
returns 3:22
